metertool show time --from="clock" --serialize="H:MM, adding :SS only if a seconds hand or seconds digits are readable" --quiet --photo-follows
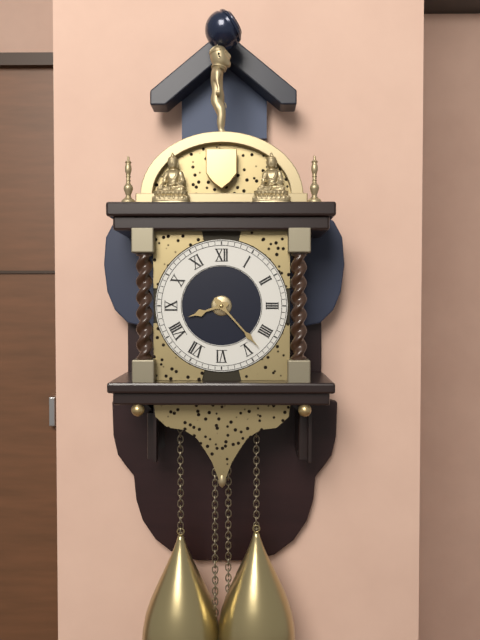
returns 8:23
